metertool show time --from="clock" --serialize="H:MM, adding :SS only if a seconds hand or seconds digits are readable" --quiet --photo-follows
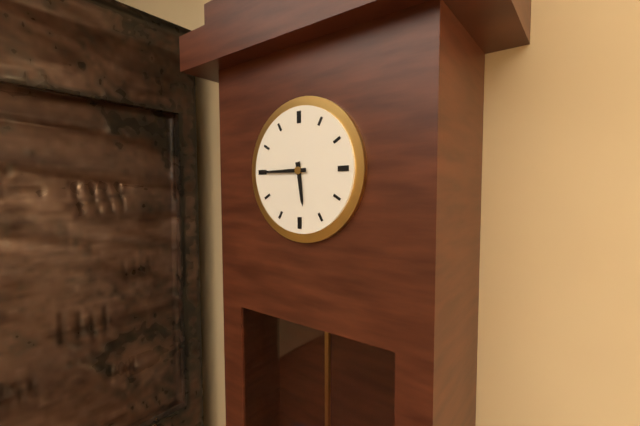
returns 5:45
